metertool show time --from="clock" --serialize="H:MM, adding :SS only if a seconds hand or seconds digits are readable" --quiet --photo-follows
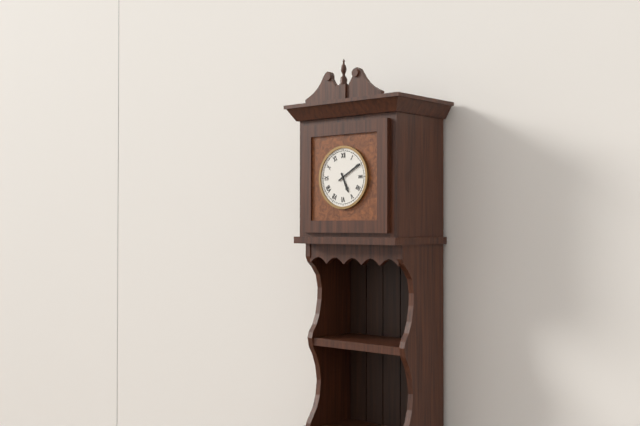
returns 5:10
